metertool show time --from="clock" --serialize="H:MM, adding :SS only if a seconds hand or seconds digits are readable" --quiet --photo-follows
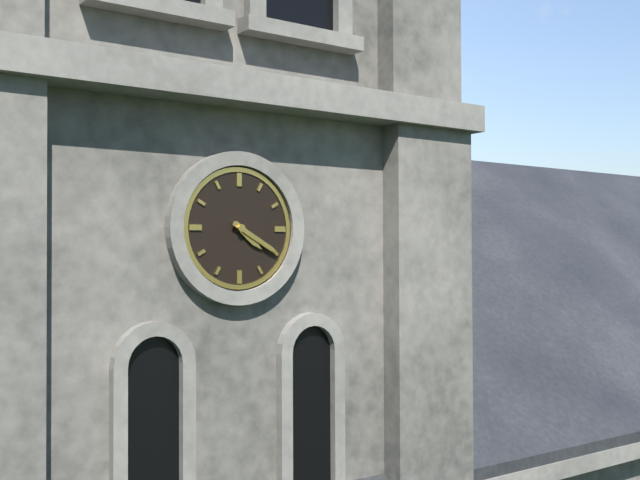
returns 4:20
